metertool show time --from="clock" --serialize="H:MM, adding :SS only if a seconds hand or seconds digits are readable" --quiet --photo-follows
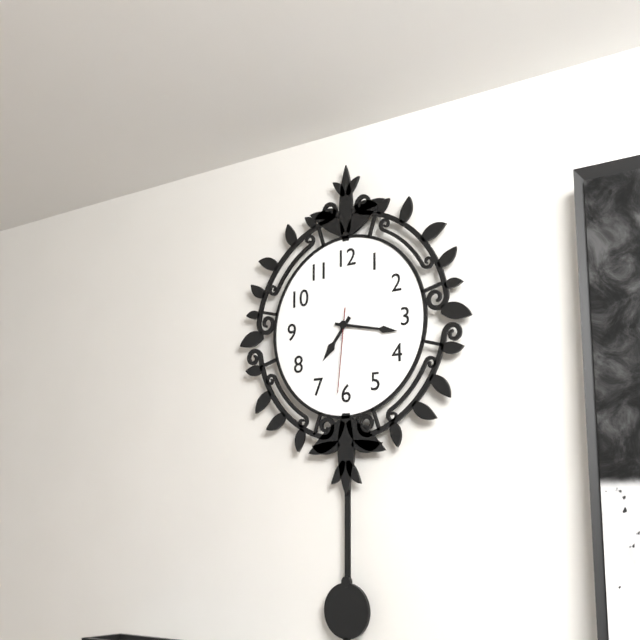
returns 7:17:31
